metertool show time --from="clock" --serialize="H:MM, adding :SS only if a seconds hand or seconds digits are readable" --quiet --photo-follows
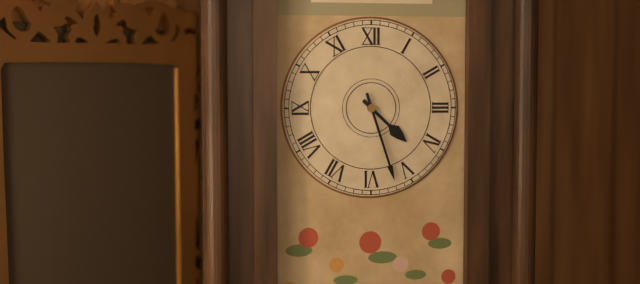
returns 4:27
